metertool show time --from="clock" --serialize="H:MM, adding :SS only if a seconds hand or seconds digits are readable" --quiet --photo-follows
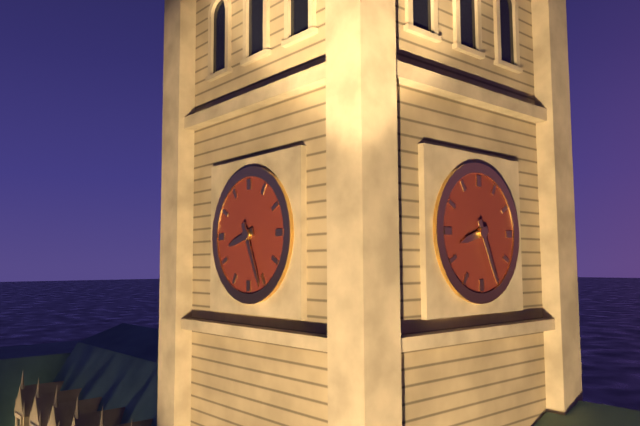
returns 8:26
